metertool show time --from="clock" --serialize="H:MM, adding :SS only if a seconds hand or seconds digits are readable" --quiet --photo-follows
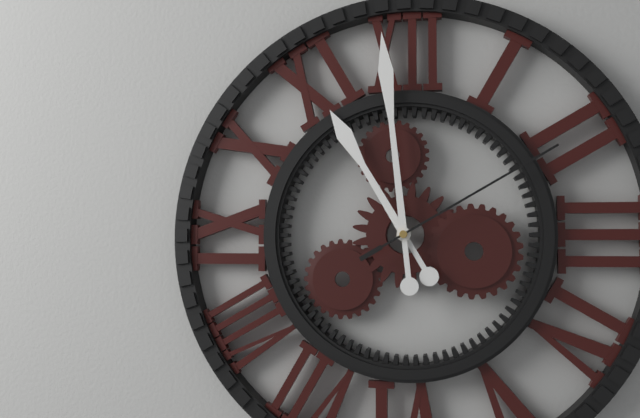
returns 10:59:10
